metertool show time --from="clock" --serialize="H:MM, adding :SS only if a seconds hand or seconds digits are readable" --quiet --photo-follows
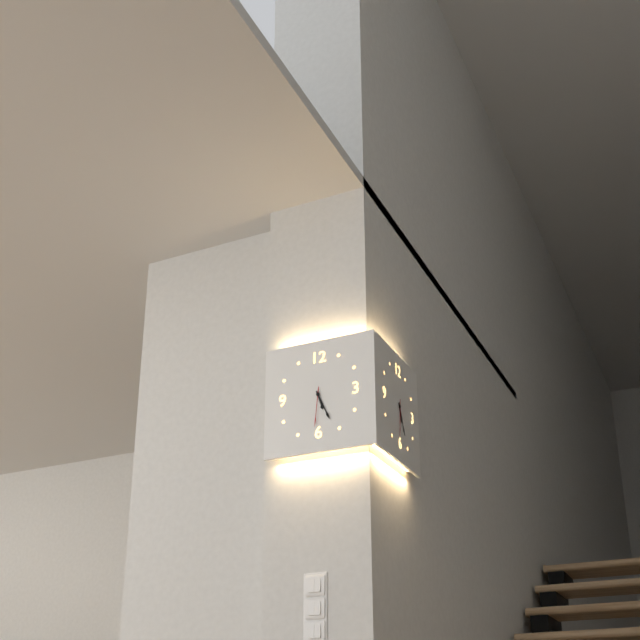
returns 5:26
